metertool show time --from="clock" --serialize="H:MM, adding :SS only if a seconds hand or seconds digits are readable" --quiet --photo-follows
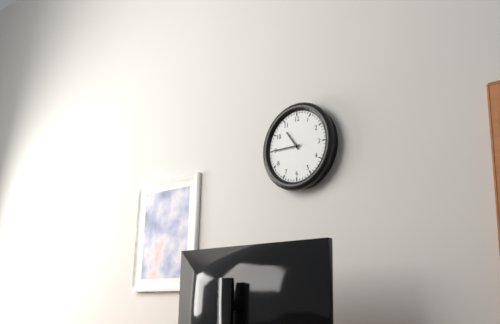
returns 10:45
